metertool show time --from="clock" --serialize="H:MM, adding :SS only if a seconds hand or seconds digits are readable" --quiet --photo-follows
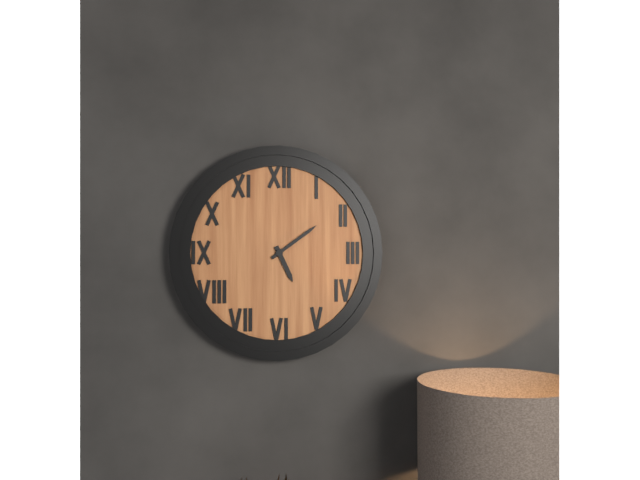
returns 5:09
